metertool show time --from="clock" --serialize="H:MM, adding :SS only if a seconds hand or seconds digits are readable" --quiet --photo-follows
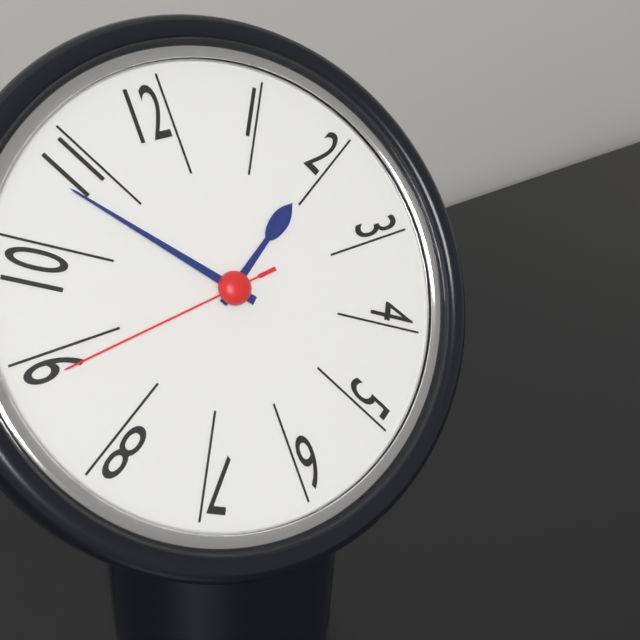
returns 1:53:44
